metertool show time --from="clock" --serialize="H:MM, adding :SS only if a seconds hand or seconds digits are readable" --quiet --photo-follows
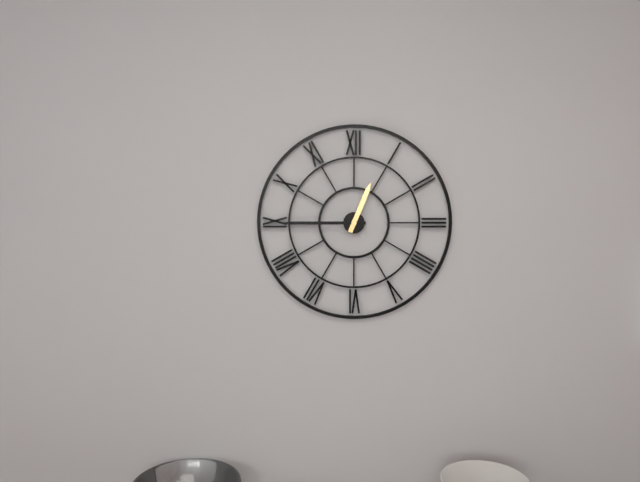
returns 12:45
